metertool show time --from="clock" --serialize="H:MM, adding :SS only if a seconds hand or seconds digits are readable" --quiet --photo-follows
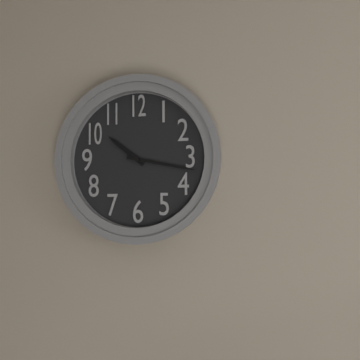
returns 10:17
